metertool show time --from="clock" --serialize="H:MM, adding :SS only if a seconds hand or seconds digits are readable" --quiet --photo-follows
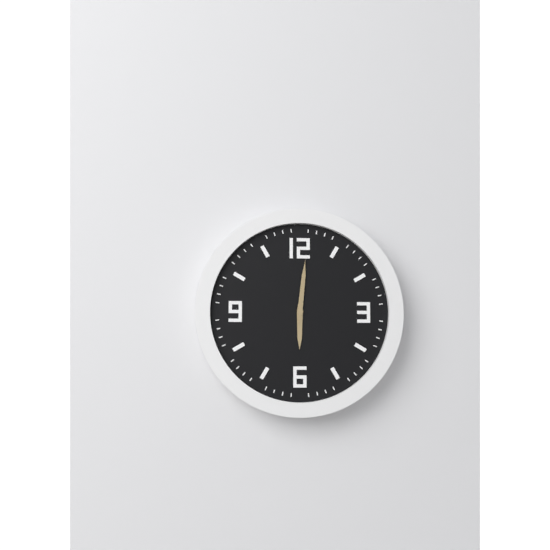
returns 6:01:01
